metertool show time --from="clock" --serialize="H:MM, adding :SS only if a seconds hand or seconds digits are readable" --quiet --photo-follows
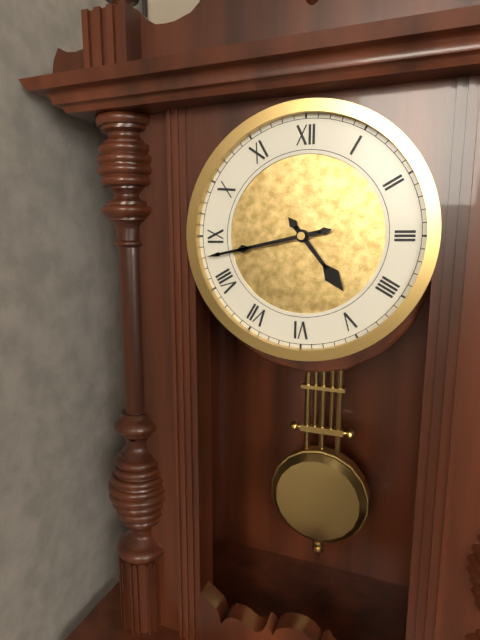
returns 4:43
